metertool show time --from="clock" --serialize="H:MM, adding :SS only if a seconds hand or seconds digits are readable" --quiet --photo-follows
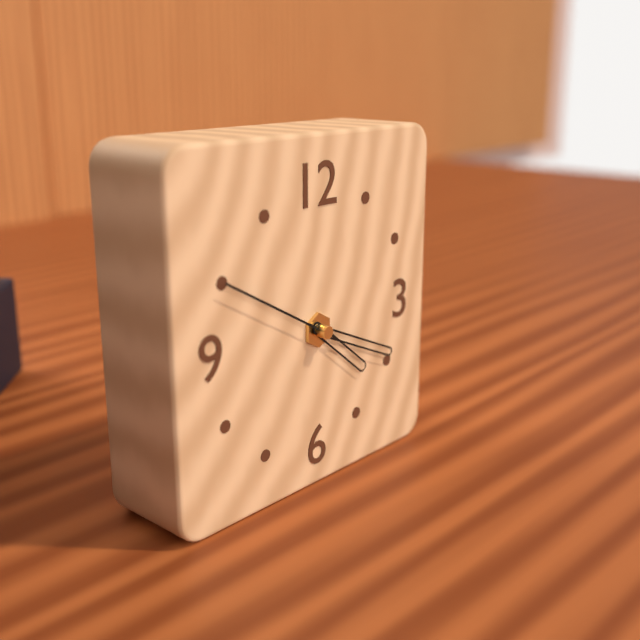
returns 4:19:50
